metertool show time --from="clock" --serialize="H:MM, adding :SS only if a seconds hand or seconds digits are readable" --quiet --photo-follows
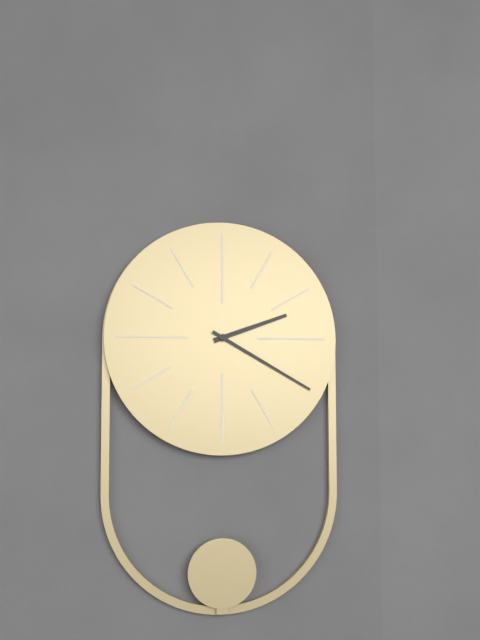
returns 2:20
